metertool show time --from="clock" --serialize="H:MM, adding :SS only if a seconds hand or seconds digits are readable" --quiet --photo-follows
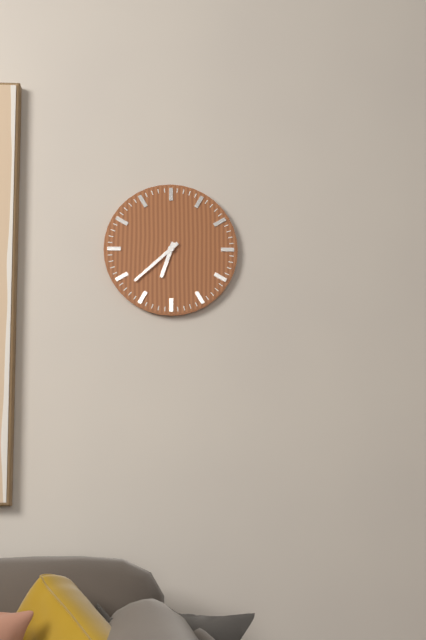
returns 6:38
